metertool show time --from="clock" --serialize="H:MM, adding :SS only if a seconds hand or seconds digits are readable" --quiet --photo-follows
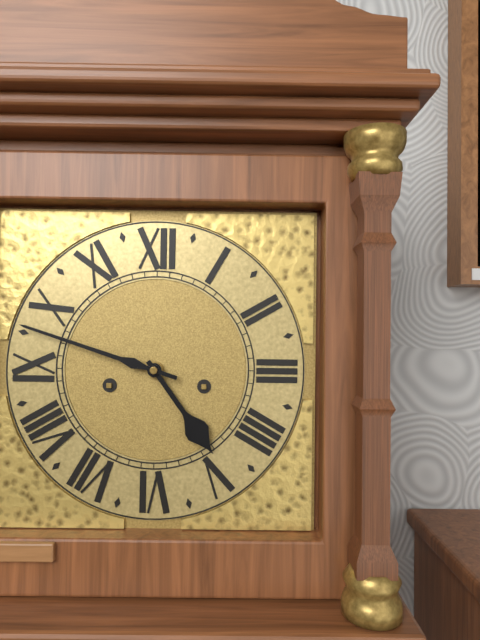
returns 4:48
